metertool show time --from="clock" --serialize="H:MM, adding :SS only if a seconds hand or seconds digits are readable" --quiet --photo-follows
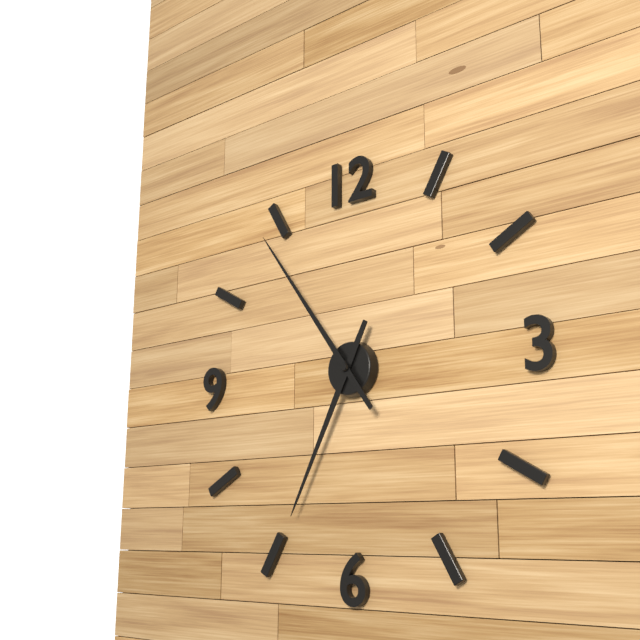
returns 6:54
